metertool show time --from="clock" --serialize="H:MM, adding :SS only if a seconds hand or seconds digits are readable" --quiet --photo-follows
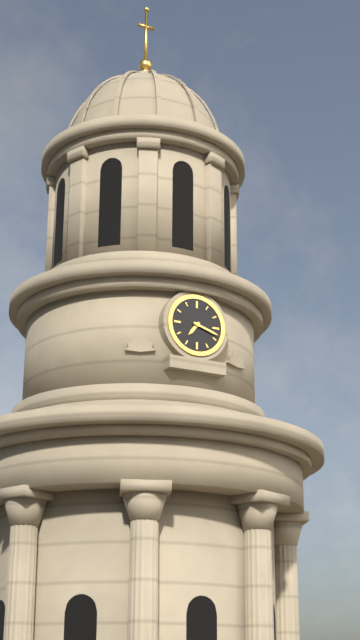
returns 7:18
